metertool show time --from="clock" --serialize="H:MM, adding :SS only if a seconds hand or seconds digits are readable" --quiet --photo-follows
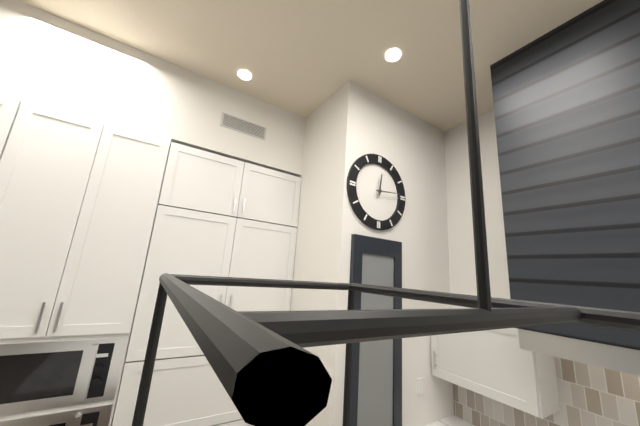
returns 12:14
